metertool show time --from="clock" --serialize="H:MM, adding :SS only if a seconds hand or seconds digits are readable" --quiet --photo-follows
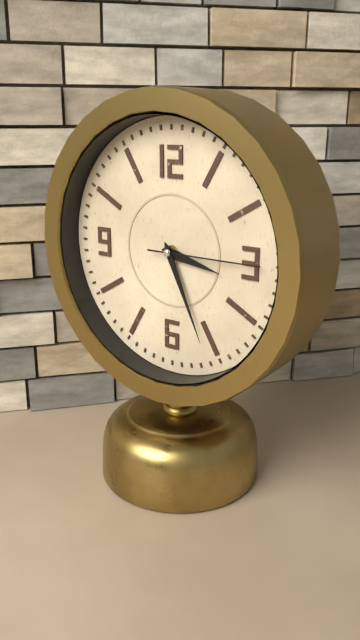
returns 3:26:15
